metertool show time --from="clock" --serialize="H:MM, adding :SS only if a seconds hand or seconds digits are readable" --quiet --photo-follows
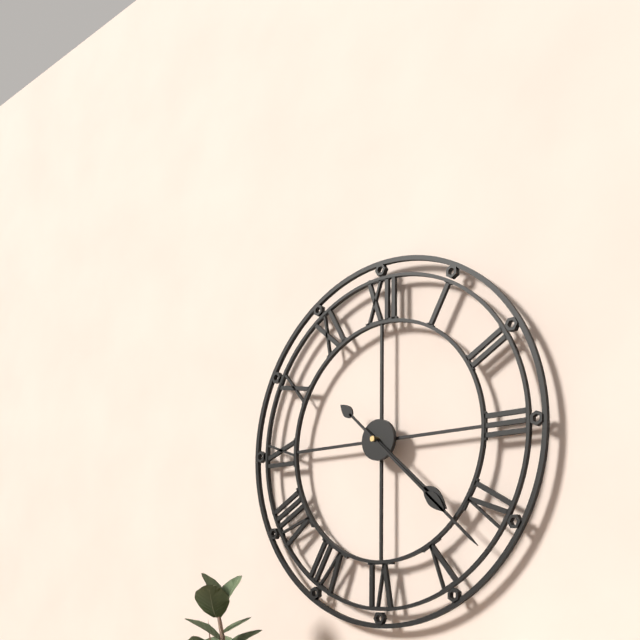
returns 4:22
